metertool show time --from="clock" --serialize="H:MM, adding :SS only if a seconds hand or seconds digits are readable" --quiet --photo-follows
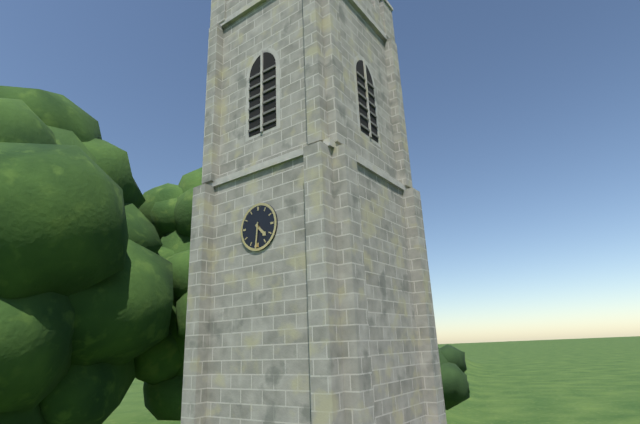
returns 4:31
